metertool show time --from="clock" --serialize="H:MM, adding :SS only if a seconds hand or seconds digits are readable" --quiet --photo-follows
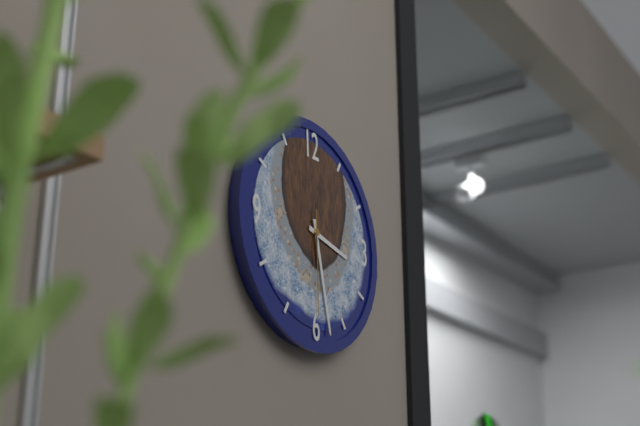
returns 3:28:30
